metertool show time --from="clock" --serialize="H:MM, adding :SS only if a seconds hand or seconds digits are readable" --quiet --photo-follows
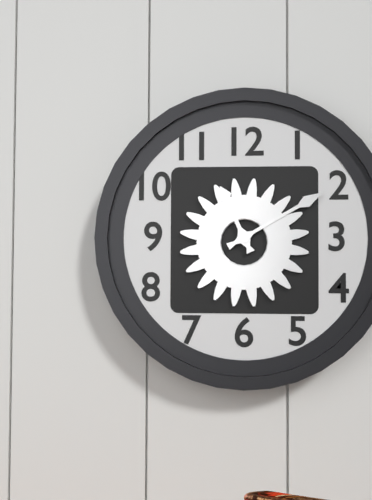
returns 11:10
